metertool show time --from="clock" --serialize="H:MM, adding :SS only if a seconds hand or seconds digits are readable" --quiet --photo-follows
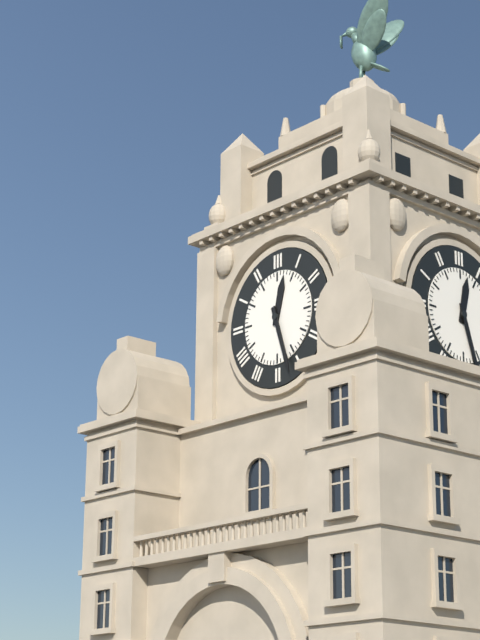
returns 12:27
